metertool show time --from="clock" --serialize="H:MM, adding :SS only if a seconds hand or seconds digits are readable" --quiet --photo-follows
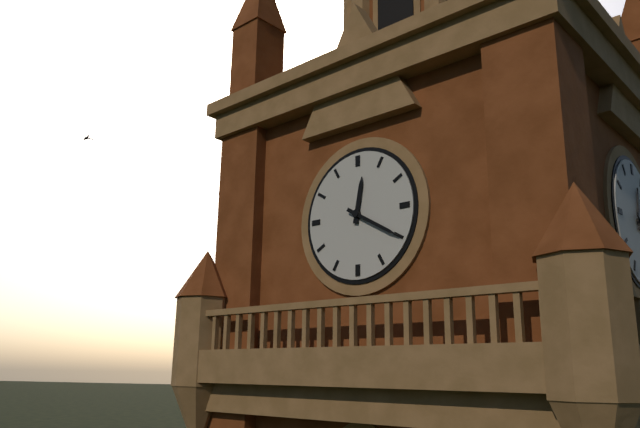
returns 12:20
